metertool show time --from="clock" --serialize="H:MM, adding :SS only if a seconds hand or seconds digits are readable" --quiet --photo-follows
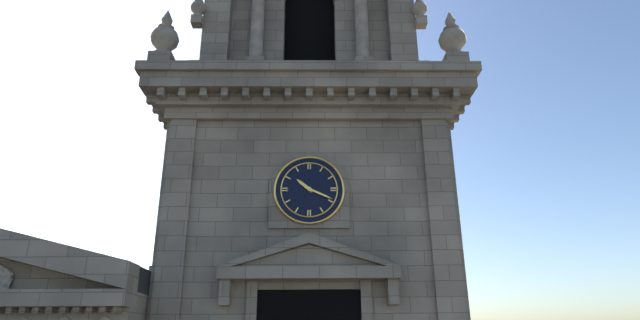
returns 10:19
